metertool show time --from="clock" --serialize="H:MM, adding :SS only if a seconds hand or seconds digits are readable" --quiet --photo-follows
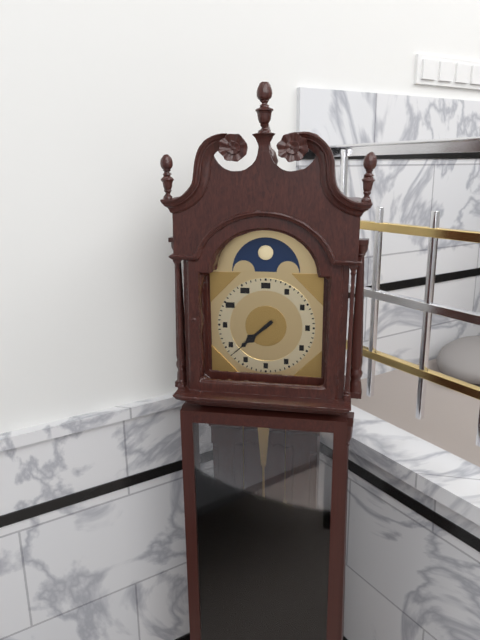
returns 7:38
